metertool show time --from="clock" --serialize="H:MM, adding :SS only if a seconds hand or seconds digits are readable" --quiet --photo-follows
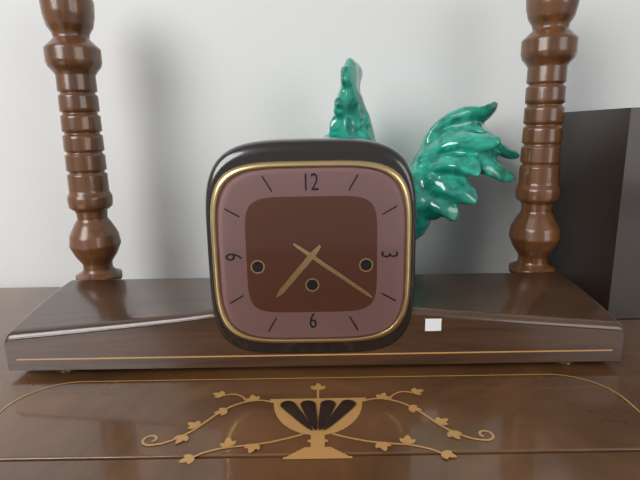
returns 7:21
